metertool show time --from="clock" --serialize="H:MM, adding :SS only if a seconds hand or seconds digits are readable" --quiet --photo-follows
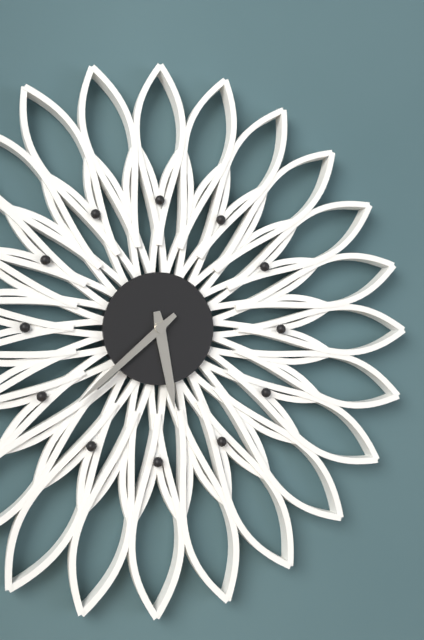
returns 5:38
